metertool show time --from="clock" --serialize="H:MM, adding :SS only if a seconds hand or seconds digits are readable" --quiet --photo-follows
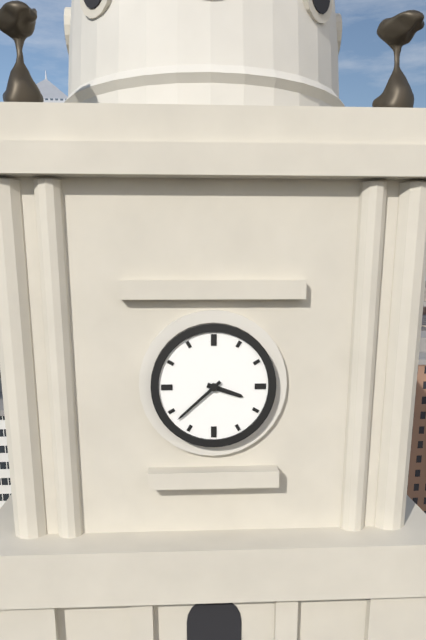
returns 3:38
